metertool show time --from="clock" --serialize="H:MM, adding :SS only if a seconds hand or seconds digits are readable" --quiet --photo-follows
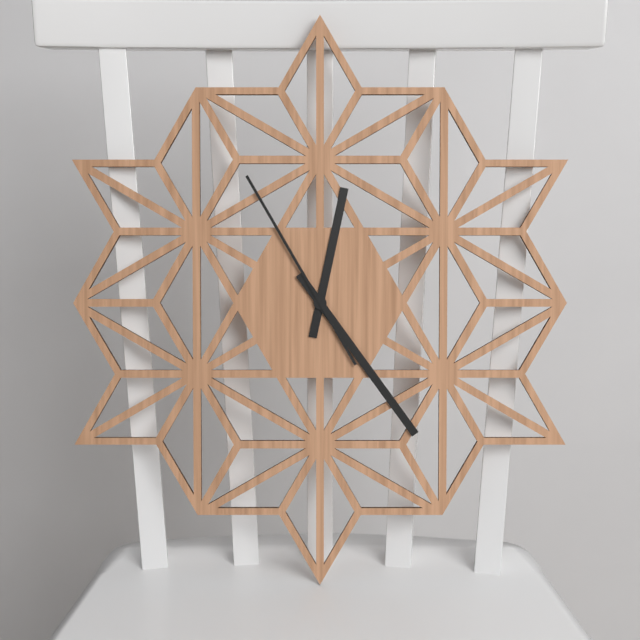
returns 12:24:55
